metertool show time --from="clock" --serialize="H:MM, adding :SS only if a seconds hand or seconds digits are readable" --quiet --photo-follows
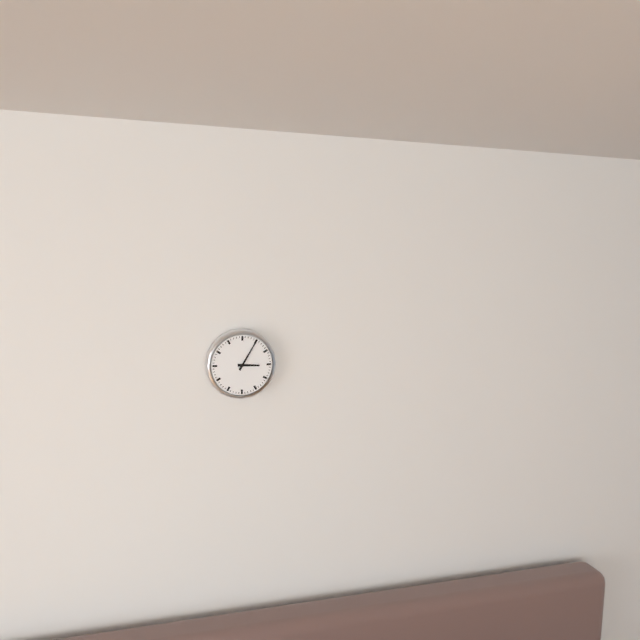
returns 3:05
